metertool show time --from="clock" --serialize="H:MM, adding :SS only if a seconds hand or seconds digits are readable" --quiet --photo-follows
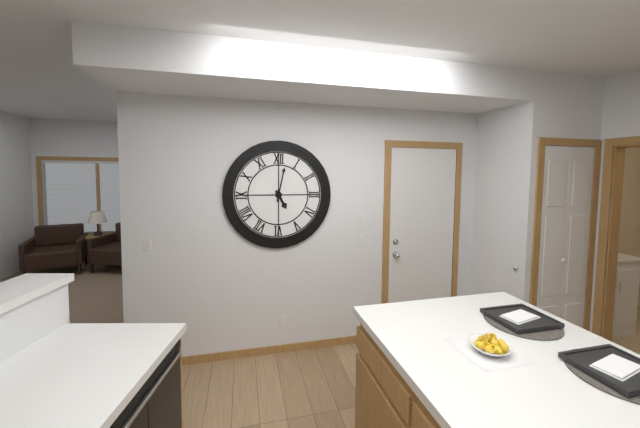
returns 5:02
